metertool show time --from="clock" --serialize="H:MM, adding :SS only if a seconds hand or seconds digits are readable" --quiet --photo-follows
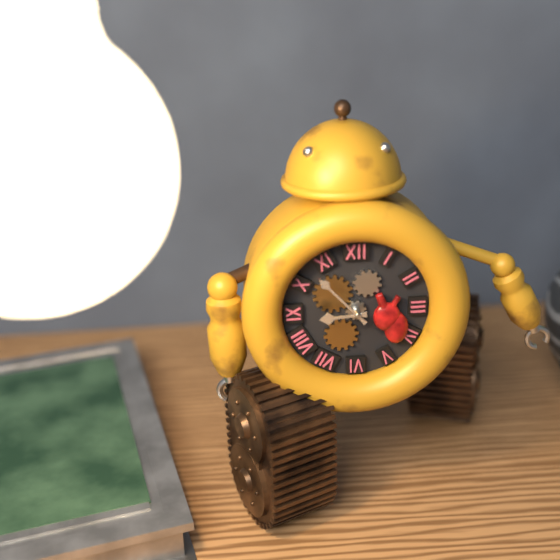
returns 8:53
